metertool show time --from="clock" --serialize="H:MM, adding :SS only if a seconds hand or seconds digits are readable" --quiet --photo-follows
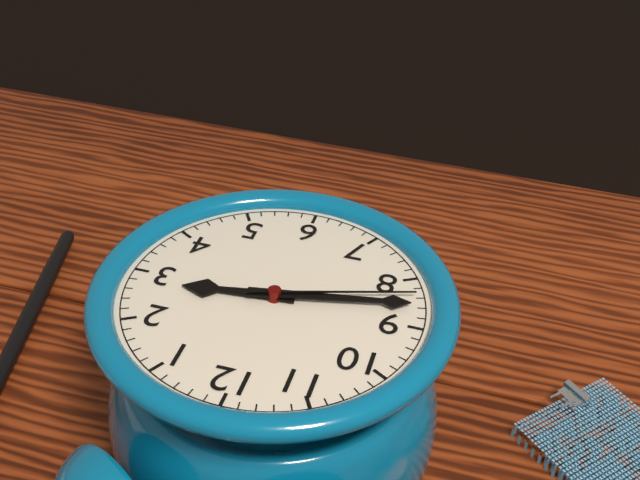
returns 2:43:42
